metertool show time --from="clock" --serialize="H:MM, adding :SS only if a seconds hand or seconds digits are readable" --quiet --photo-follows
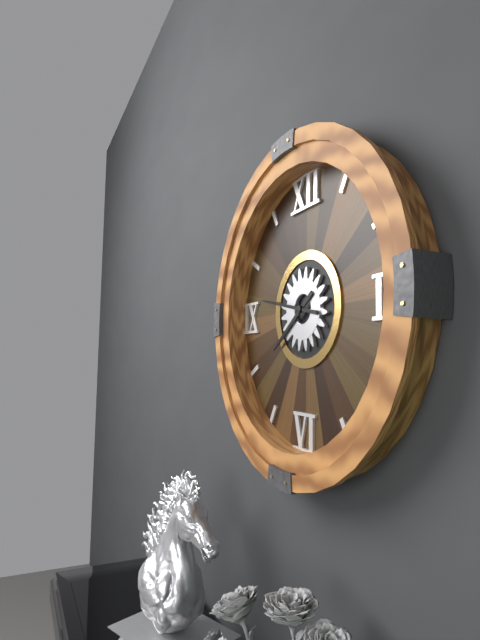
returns 7:47
